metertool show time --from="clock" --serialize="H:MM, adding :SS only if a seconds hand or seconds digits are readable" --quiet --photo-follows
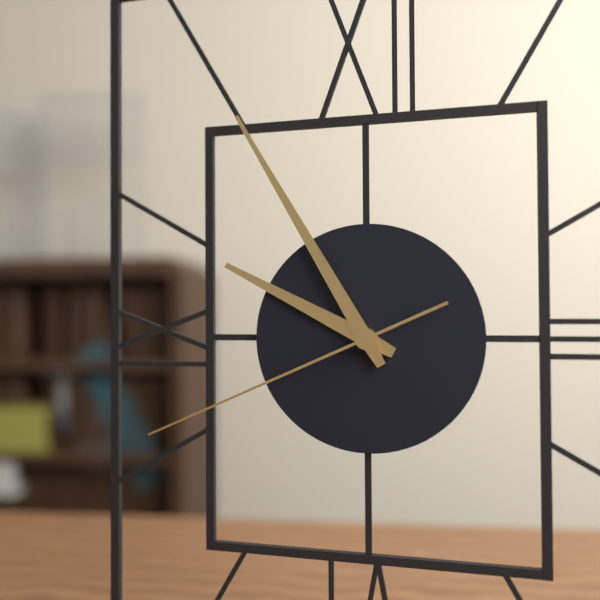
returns 9:55:41
